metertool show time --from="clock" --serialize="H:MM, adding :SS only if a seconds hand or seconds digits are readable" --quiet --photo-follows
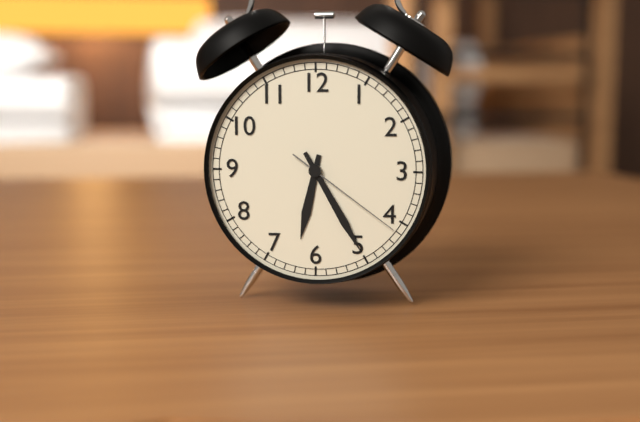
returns 6:25:21
